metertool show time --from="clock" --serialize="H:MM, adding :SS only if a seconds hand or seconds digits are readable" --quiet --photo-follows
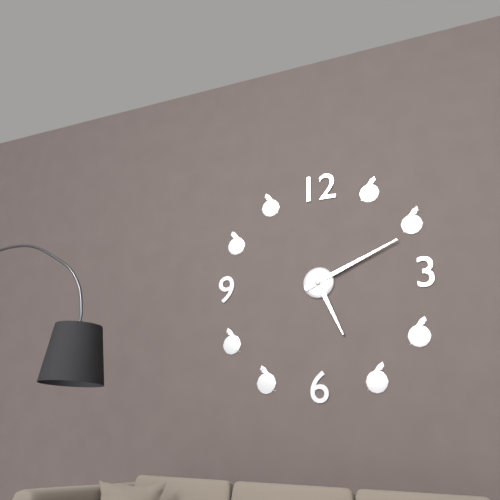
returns 5:11
